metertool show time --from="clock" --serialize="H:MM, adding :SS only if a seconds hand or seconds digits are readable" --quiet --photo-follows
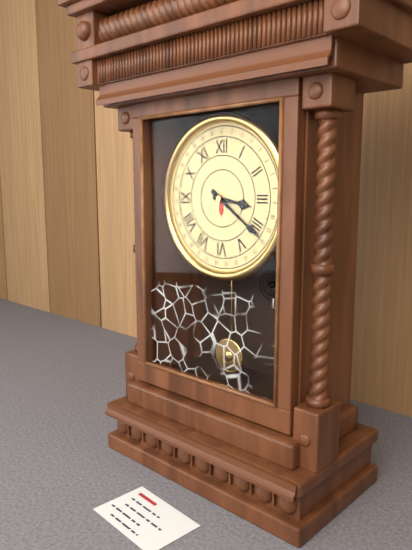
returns 3:21
